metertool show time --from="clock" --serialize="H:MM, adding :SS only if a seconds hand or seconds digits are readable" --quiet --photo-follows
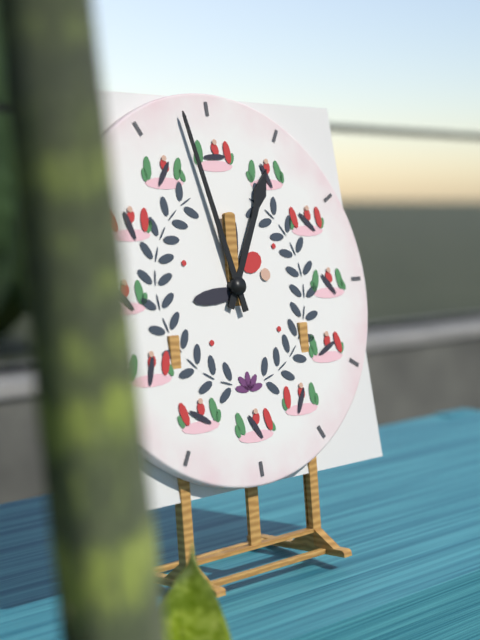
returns 12:58
